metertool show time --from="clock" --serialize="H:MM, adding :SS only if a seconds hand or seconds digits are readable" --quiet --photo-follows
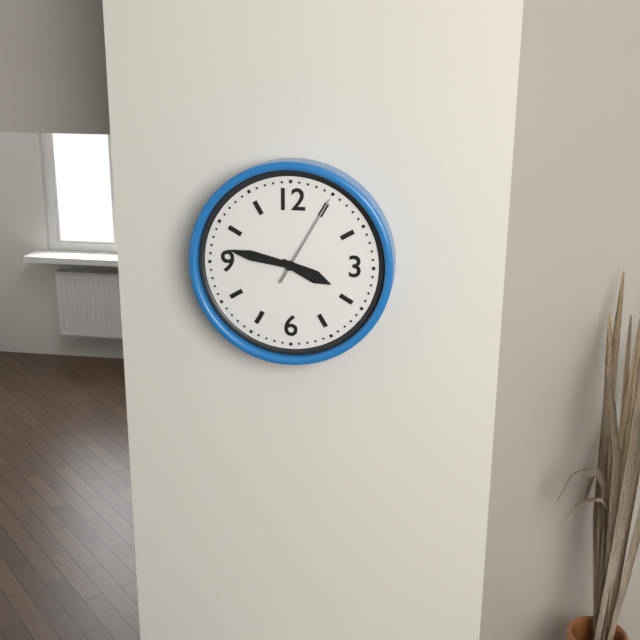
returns 3:47:05
